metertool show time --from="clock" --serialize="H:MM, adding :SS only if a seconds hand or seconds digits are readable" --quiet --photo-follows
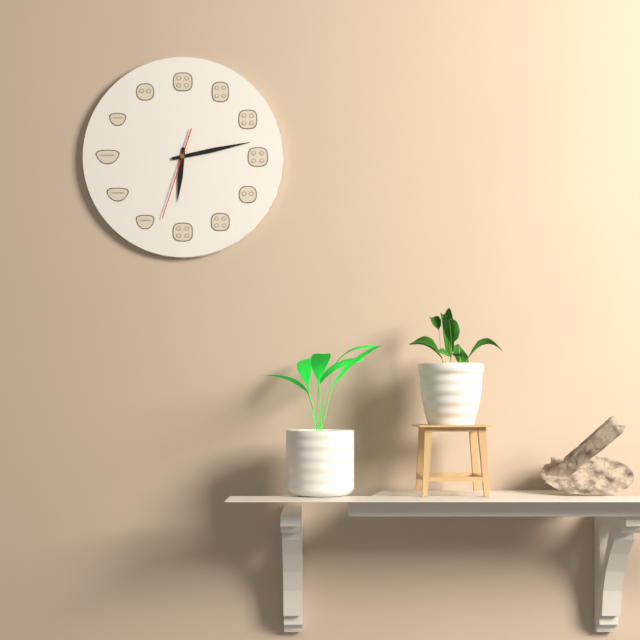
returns 6:13:33
